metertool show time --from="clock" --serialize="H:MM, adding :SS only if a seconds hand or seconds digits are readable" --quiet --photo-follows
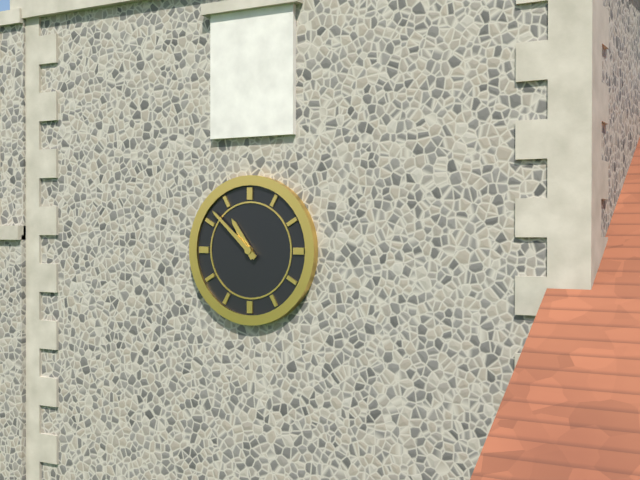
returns 10:52
